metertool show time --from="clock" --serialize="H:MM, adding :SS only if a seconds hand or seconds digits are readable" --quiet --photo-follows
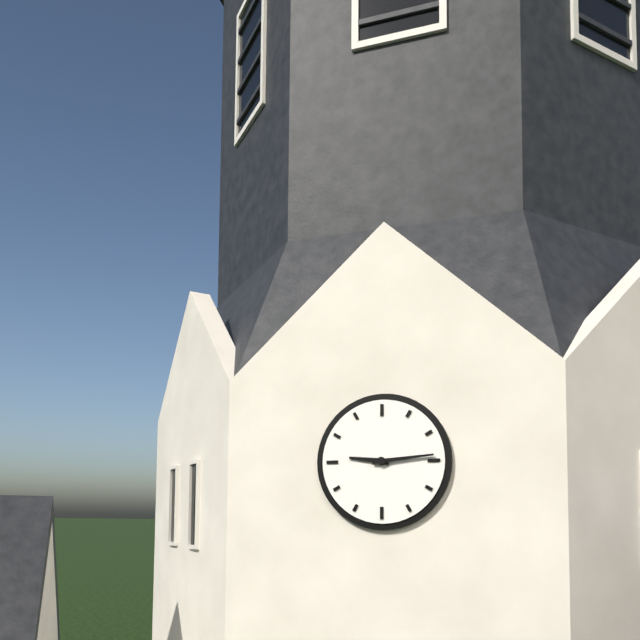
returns 9:14
